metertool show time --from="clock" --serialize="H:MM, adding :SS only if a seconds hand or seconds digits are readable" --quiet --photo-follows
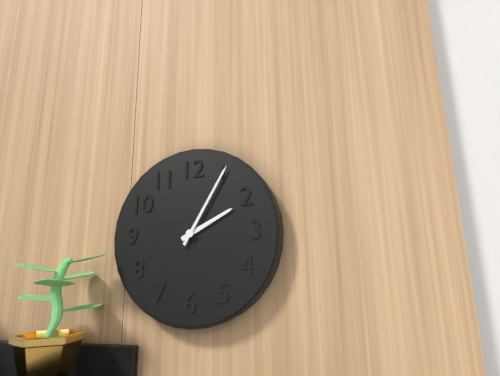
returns 2:05
